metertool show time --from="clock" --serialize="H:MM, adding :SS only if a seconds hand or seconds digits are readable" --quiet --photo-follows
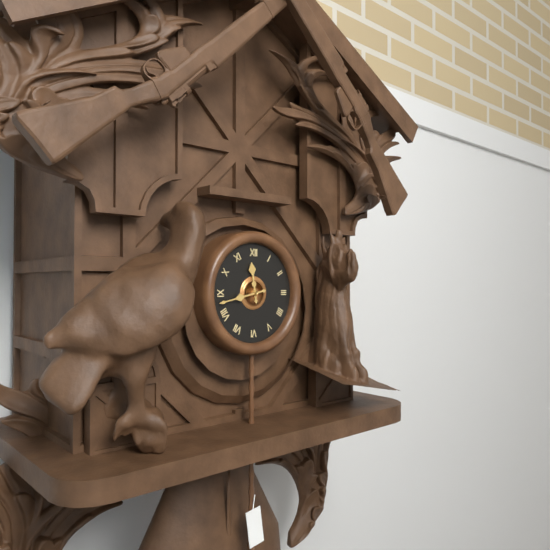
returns 11:43
